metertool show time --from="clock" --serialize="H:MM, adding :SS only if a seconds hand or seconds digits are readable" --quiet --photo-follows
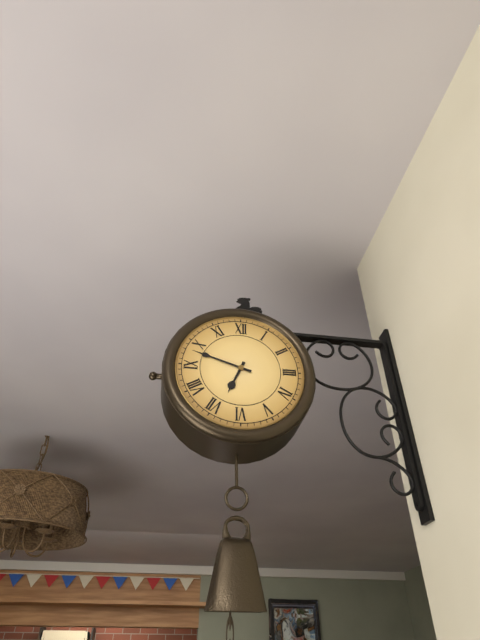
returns 6:48
